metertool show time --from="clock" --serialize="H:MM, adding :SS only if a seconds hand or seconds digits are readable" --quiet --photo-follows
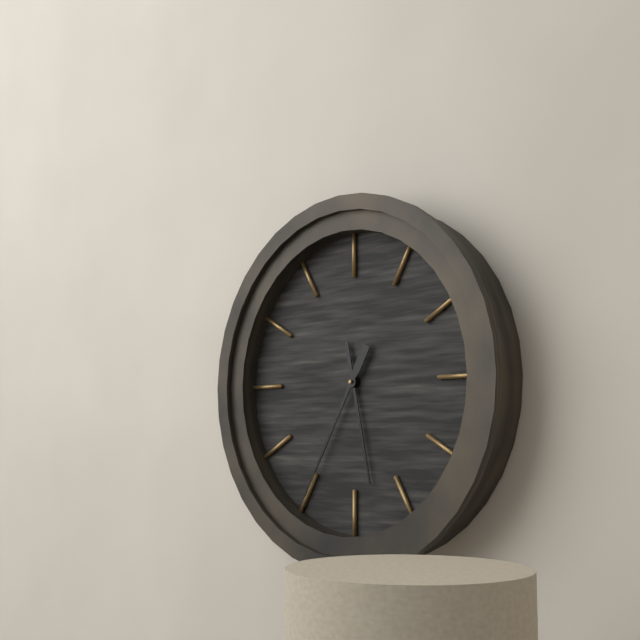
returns 5:35
